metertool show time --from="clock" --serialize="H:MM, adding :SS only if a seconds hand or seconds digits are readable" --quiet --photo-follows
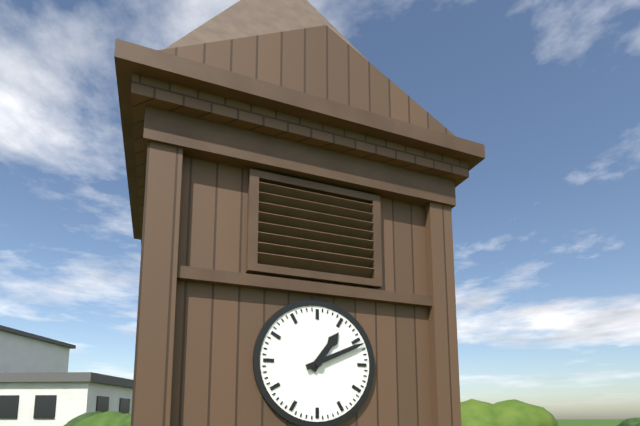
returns 1:11
